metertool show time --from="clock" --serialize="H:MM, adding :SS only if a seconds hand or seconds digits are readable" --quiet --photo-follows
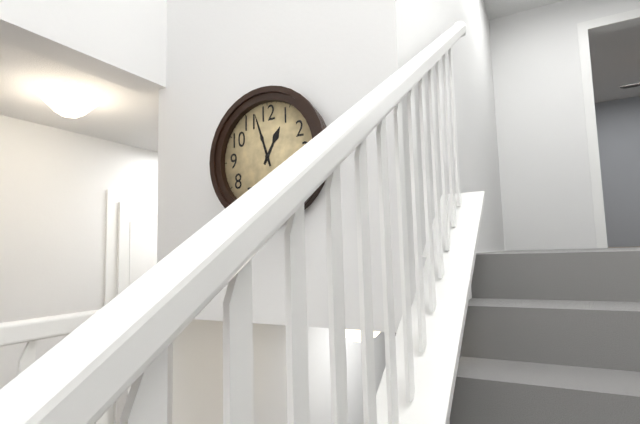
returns 12:57
